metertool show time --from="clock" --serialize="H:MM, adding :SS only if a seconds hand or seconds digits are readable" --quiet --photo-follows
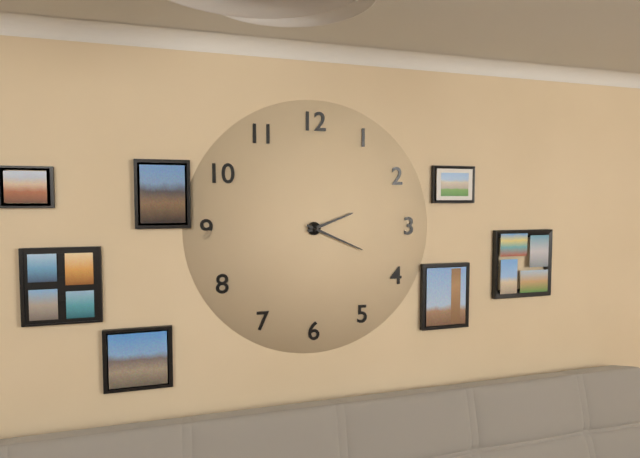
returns 2:19
